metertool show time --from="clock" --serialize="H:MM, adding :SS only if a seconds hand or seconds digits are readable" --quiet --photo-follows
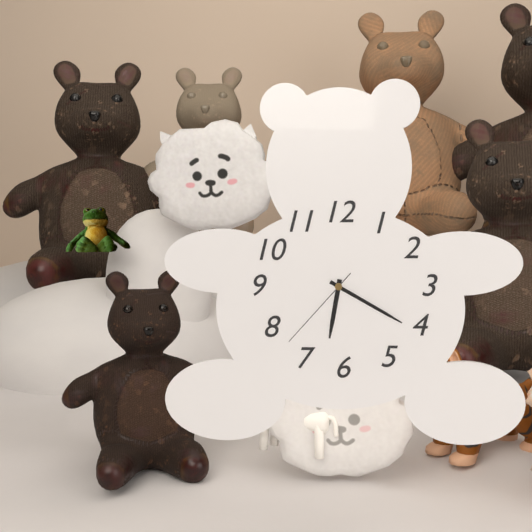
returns 6:20:37
